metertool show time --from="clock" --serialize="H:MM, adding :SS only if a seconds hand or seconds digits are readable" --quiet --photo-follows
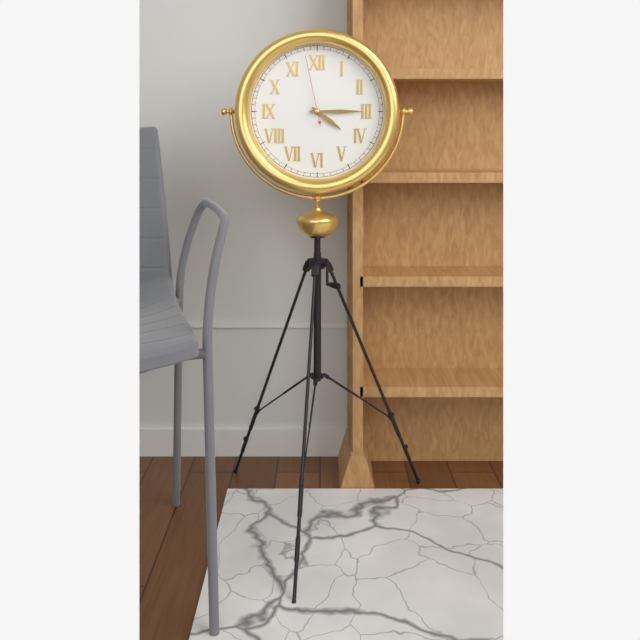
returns 4:15:58
